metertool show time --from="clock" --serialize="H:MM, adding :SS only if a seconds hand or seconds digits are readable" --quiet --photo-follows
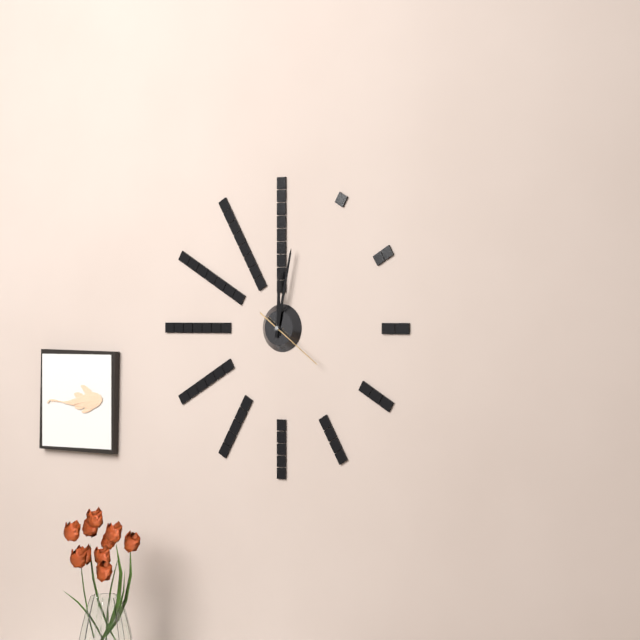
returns 12:02:21
